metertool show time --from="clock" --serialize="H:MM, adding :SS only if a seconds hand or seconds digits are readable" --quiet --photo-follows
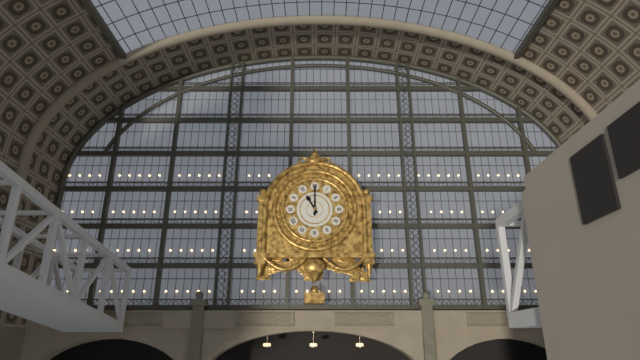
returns 11:00
